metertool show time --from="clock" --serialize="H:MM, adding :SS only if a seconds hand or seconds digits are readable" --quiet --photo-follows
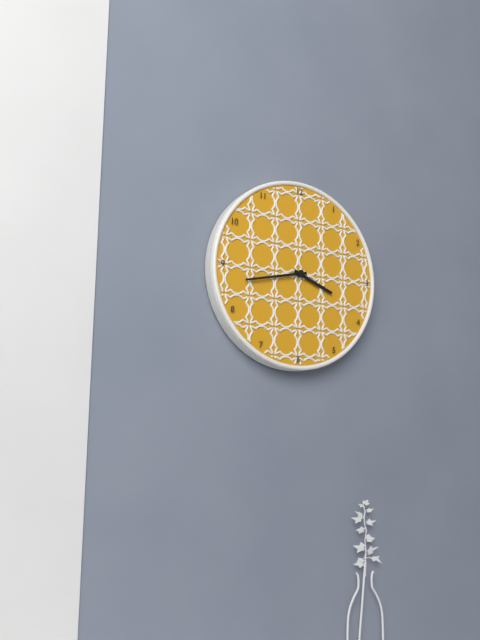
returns 3:43
